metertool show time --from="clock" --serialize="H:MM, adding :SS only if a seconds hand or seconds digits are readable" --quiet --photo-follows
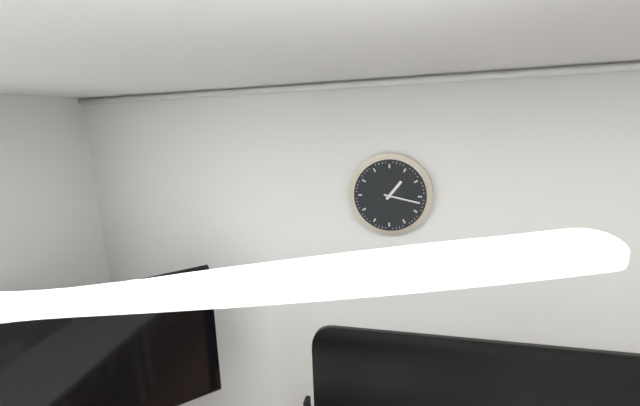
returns 1:17
